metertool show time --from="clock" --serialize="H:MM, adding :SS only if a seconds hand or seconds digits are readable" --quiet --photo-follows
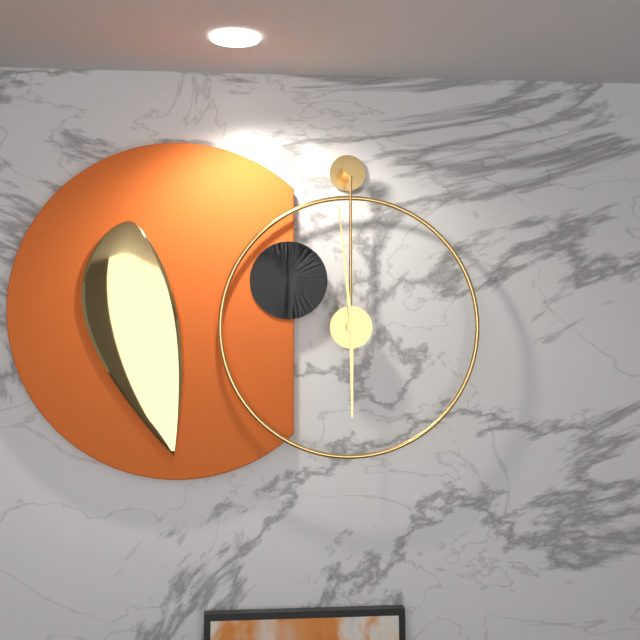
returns 5:59
